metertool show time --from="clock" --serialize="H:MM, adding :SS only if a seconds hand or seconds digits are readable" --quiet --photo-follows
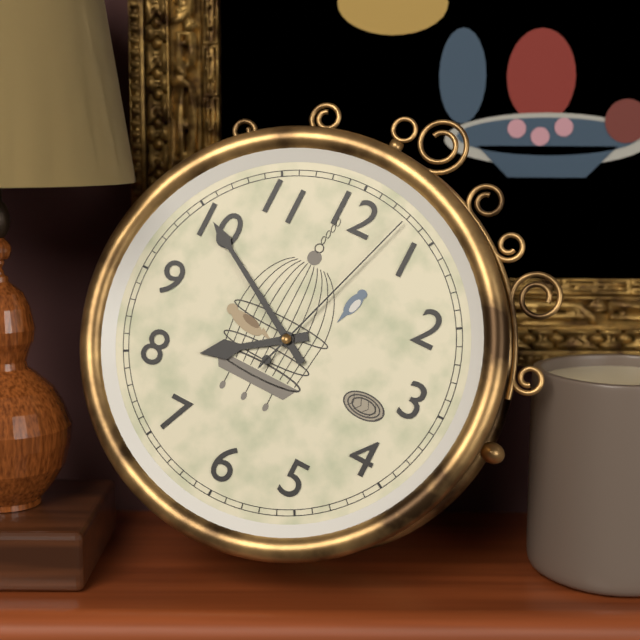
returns 7:50:03
